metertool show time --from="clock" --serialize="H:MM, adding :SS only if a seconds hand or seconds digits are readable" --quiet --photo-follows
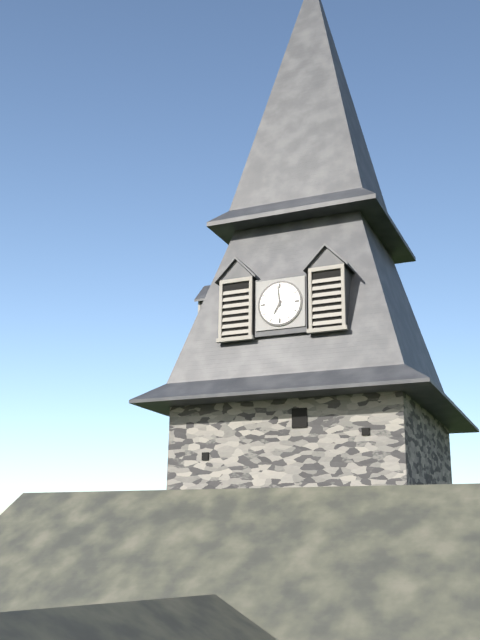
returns 6:59
